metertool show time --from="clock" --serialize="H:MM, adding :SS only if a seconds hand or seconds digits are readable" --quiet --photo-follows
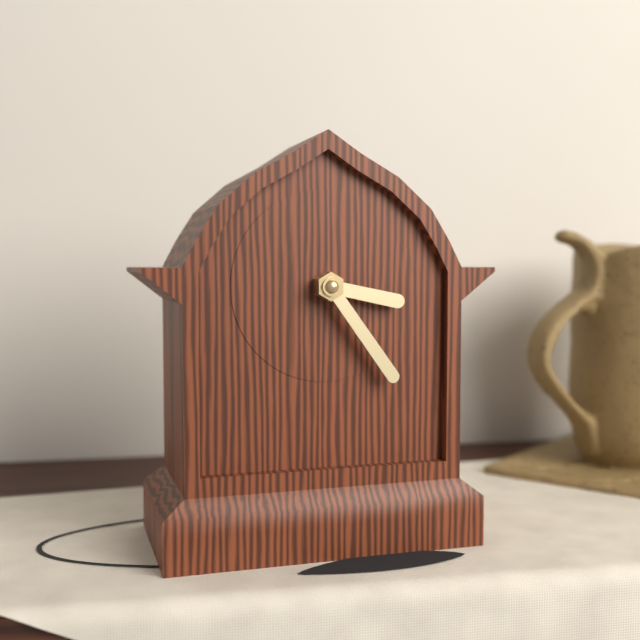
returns 3:24
